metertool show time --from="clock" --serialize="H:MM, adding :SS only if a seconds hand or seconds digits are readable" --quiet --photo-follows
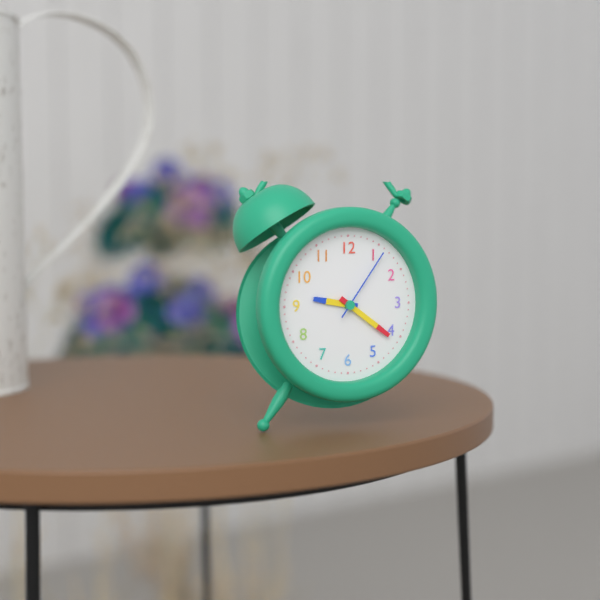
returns 9:21:06
